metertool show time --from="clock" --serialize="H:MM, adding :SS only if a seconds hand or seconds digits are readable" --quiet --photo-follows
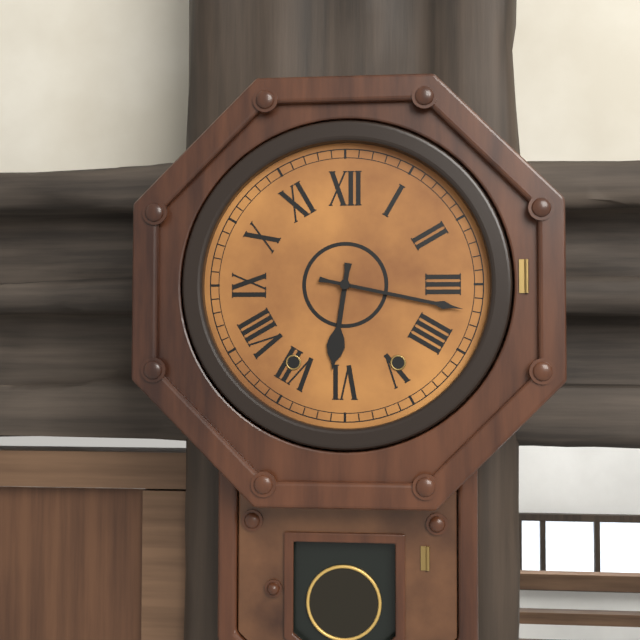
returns 6:17
